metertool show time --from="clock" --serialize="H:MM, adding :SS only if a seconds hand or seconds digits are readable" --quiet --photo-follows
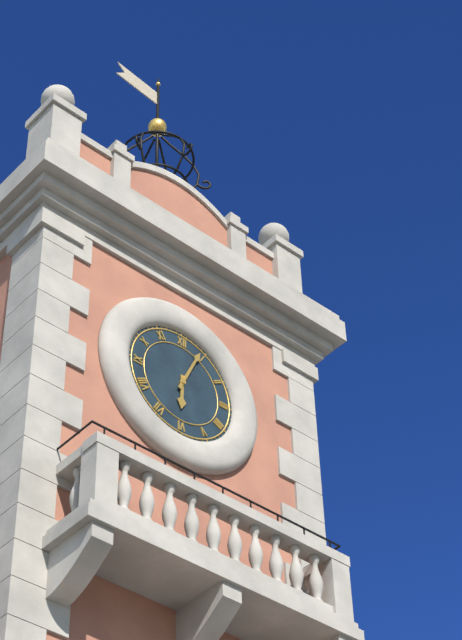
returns 6:04
